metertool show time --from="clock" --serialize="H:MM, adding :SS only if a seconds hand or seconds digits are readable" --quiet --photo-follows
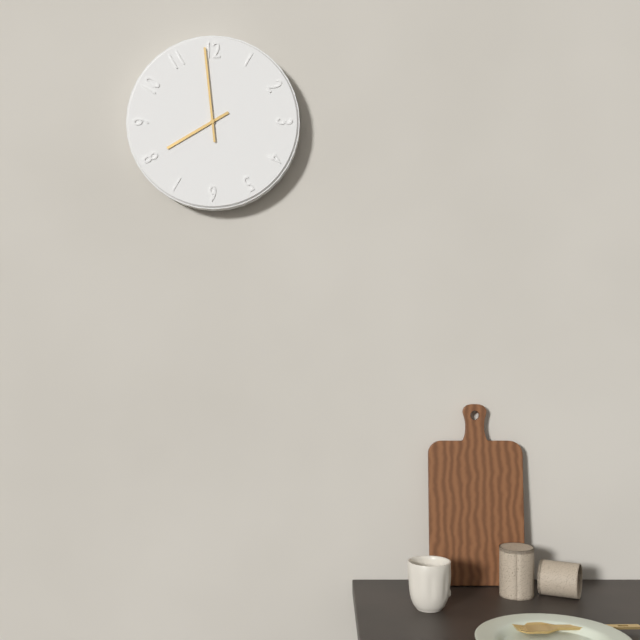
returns 7:59
